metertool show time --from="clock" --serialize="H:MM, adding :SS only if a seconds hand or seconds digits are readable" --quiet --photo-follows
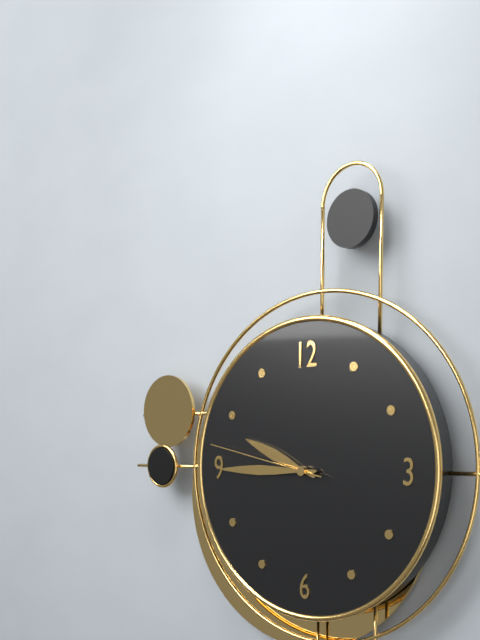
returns 9:45:47
